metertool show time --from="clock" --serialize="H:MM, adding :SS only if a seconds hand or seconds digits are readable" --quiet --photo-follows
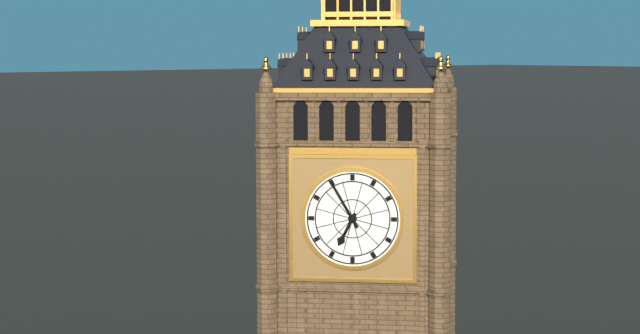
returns 6:55
